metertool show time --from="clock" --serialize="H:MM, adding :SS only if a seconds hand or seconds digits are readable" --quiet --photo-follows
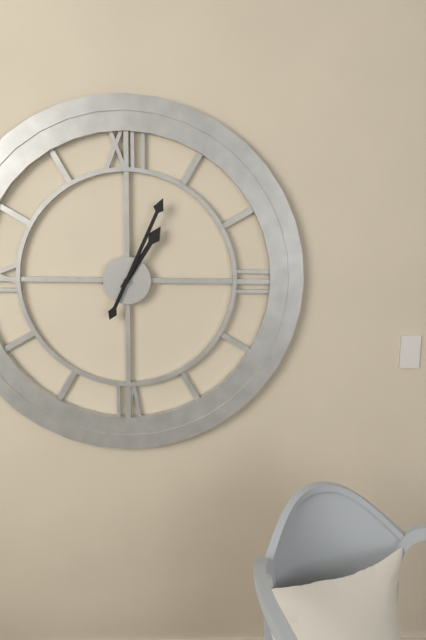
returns 1:04
